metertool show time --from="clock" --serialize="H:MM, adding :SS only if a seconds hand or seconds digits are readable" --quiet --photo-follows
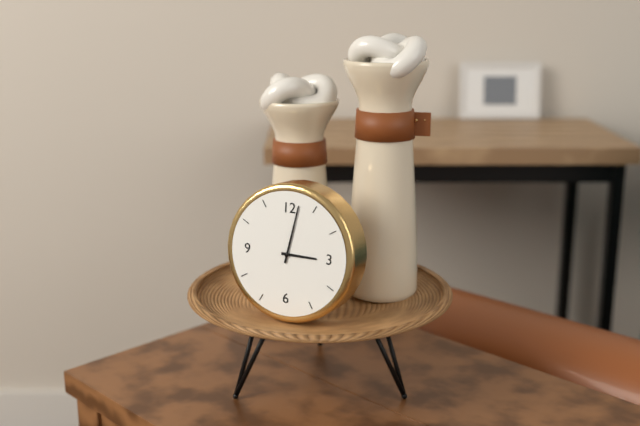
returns 3:02
